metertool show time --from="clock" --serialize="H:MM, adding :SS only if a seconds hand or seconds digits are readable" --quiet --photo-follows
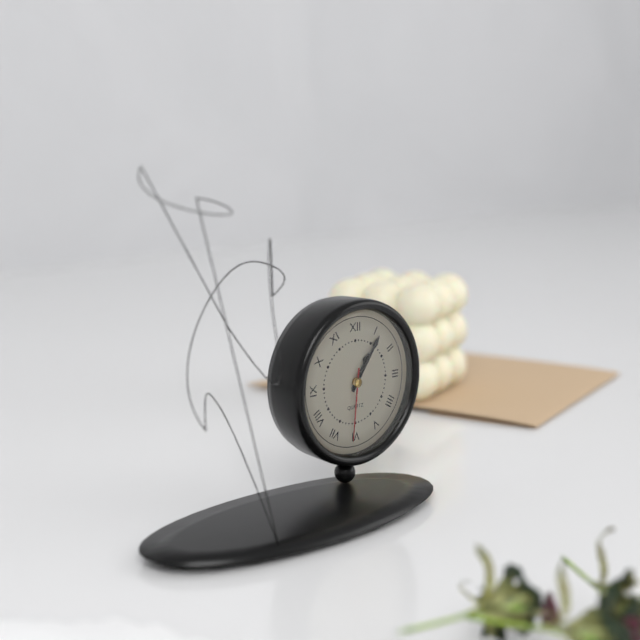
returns 1:06:31
